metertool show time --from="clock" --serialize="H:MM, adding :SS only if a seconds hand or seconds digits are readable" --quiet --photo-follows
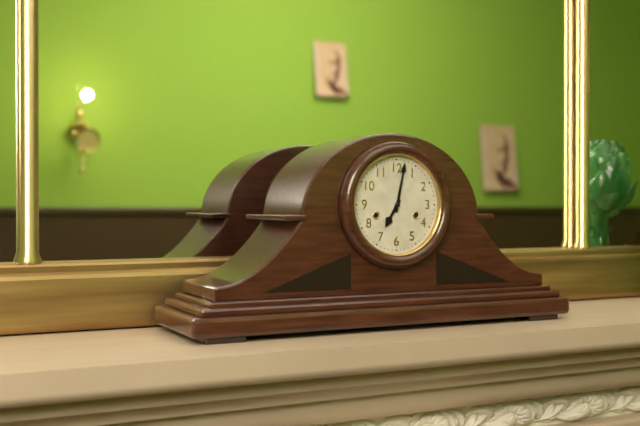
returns 7:02
